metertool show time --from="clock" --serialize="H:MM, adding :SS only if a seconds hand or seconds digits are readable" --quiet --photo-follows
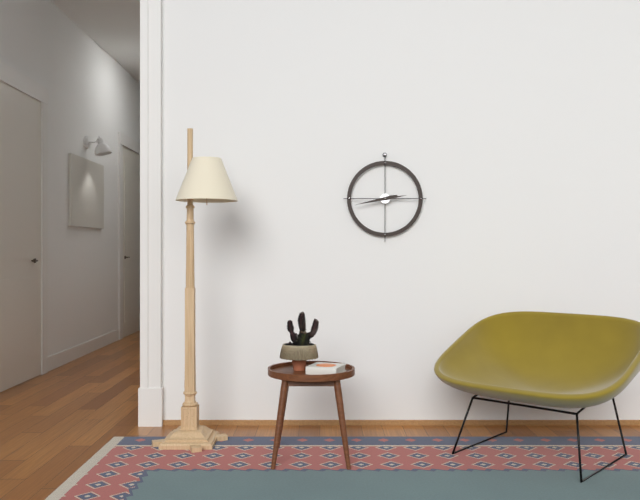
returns 2:43
